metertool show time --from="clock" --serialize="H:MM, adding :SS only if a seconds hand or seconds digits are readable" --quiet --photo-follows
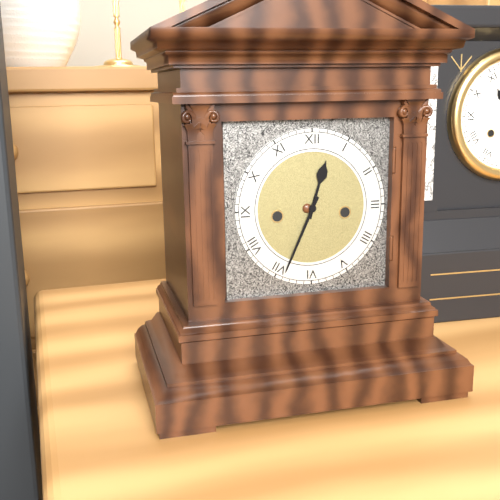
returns 12:34
